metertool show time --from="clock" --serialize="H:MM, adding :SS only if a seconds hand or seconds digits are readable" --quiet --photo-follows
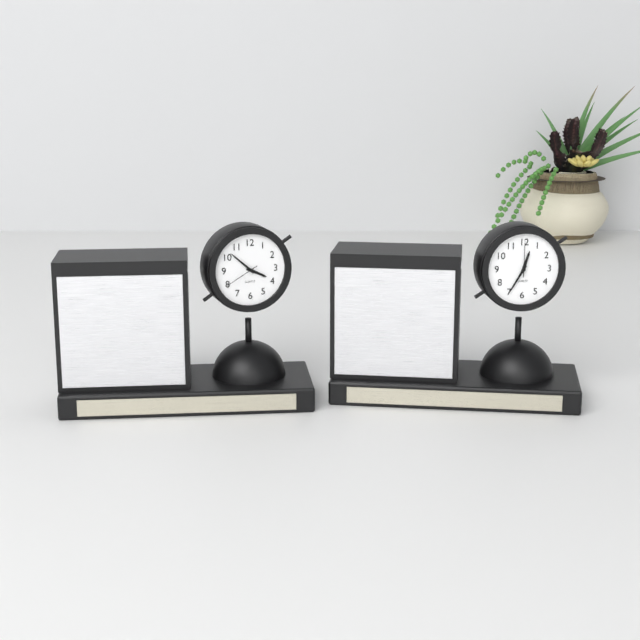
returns 3:52
